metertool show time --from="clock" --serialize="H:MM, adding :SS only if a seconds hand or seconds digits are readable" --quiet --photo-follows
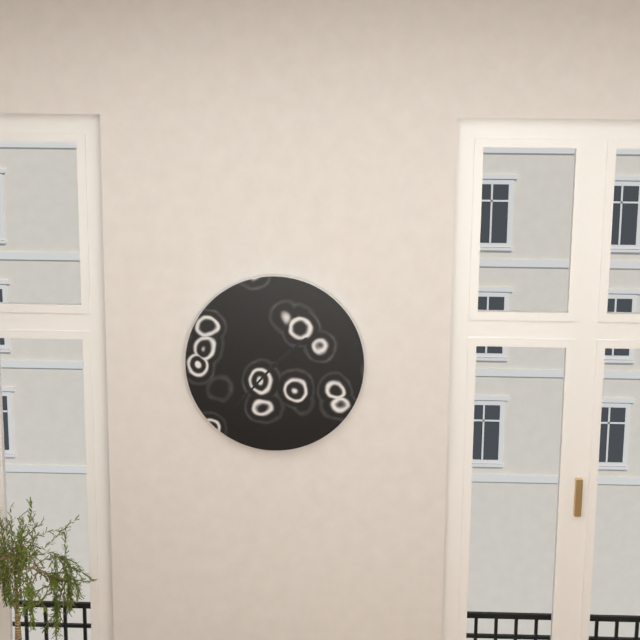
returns 1:37
